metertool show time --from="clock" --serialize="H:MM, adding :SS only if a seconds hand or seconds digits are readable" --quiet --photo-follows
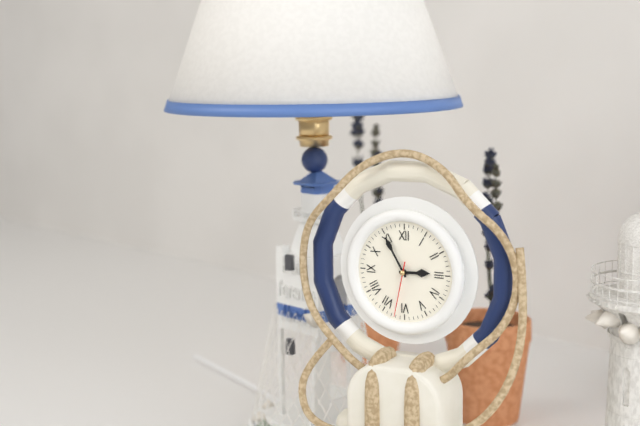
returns 2:55:32
